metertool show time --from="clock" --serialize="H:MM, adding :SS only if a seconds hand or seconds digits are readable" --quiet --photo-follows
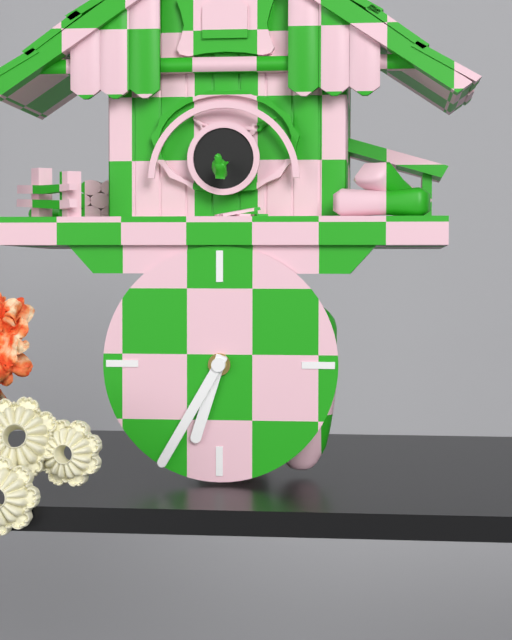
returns 6:35
